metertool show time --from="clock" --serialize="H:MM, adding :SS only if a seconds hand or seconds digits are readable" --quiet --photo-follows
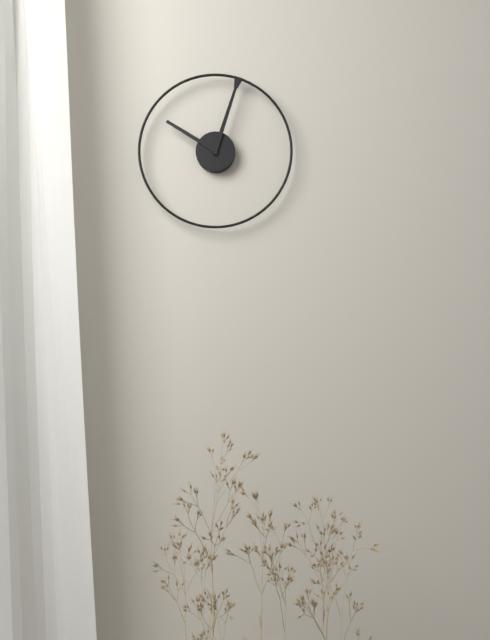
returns 10:03
